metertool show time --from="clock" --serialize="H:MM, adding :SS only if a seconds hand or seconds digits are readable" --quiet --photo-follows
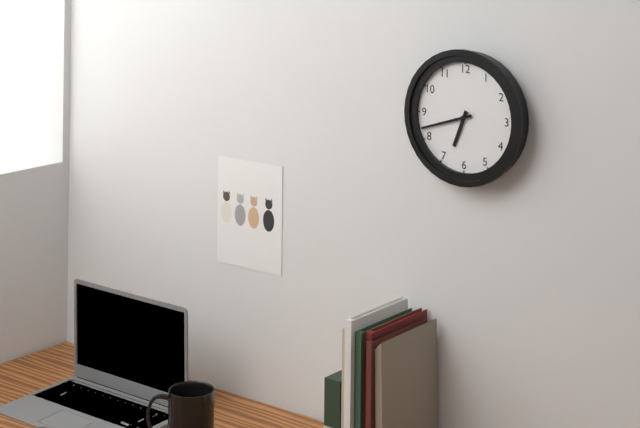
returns 6:42
